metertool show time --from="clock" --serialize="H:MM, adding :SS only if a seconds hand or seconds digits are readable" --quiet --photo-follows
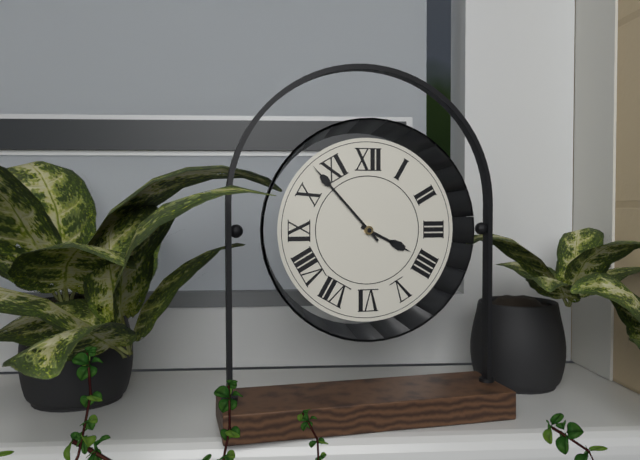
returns 3:53
